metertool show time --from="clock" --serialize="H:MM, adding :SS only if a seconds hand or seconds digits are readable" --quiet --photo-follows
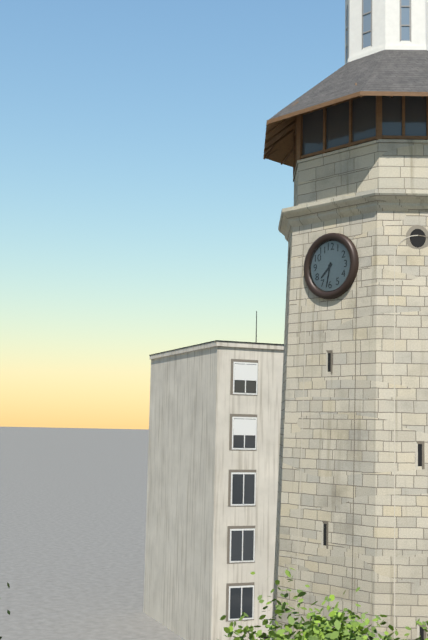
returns 7:32
